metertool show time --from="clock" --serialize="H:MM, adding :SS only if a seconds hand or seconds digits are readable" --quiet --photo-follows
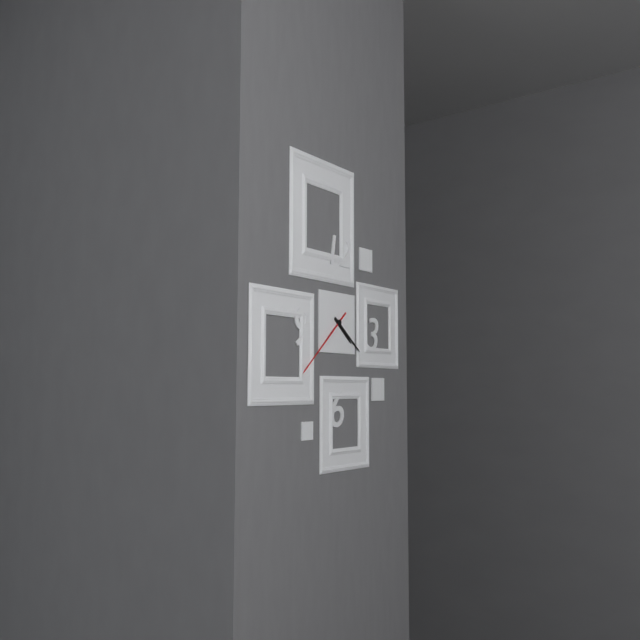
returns 4:21:38
